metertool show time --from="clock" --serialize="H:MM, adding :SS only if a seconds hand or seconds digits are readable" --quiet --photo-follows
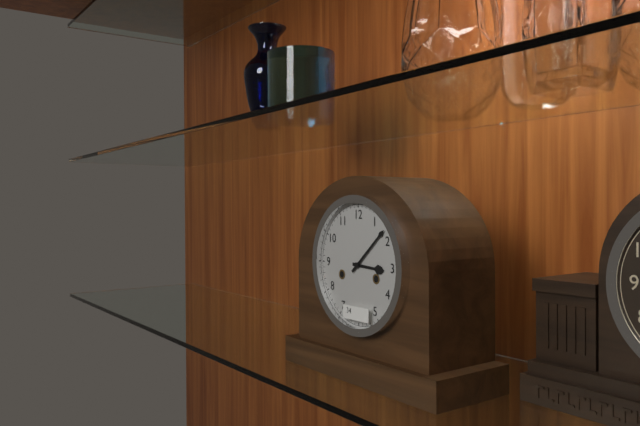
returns 3:08
